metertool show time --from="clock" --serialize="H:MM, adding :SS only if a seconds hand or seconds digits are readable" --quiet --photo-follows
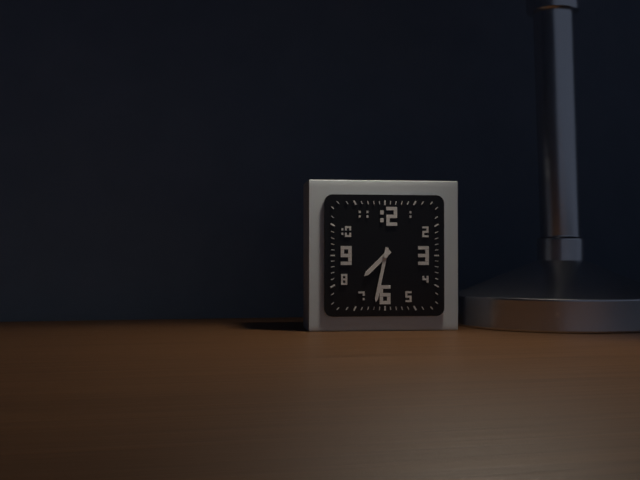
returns 7:32
